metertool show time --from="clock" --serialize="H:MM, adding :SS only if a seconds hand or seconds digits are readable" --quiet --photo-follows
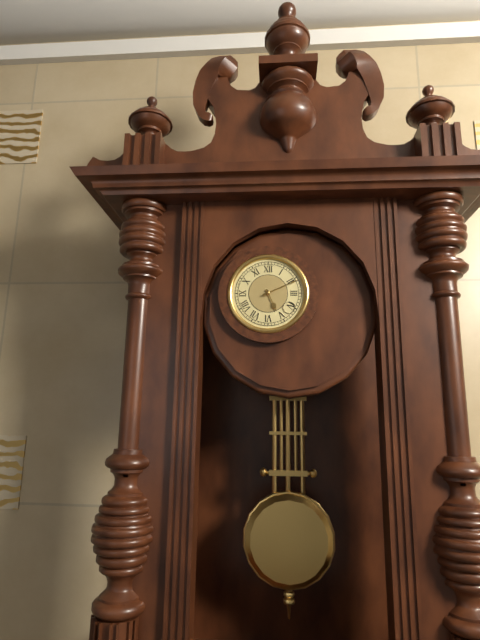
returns 5:11
